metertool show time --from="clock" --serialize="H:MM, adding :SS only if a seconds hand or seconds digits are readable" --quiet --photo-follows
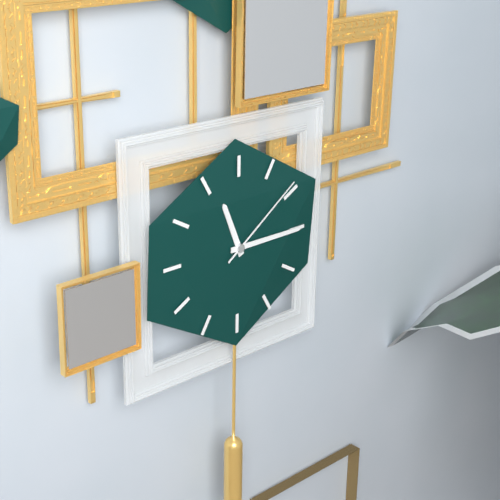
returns 11:15:09
